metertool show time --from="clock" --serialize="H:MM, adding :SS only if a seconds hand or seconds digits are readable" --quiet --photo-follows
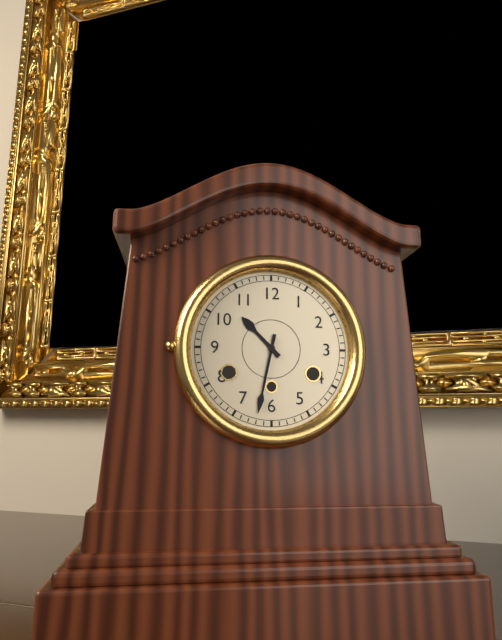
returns 10:32
